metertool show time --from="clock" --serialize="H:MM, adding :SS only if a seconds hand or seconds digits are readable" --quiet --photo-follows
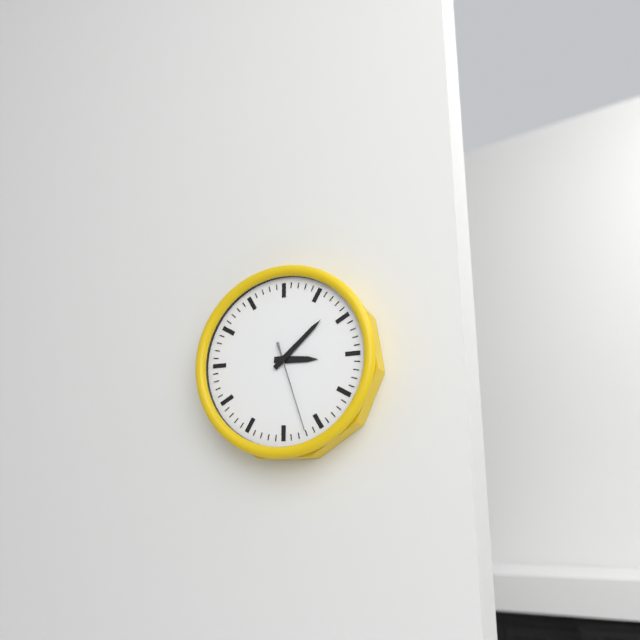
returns 3:08:27
